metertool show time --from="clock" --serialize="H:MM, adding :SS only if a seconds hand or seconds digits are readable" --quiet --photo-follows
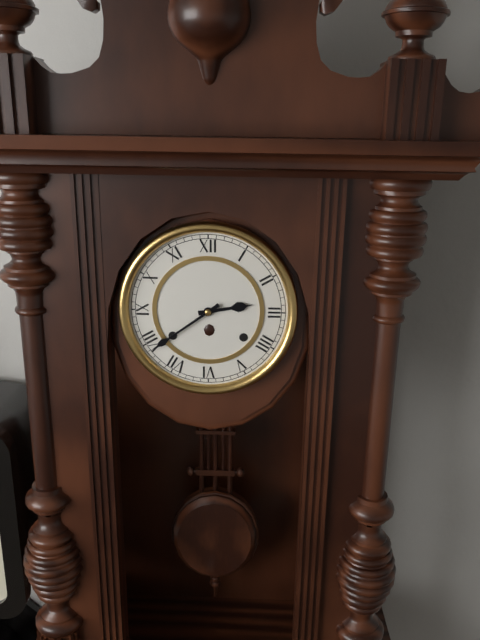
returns 2:39
